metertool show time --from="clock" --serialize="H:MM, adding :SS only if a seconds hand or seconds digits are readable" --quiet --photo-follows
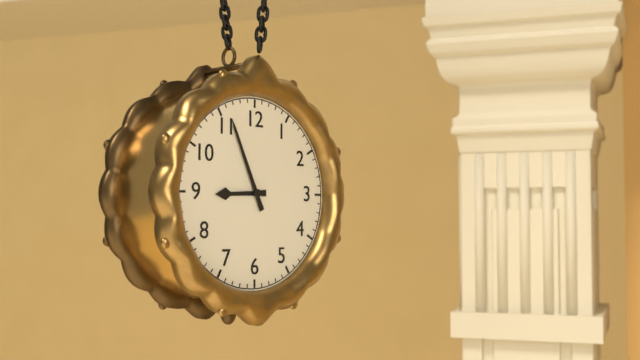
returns 8:56
